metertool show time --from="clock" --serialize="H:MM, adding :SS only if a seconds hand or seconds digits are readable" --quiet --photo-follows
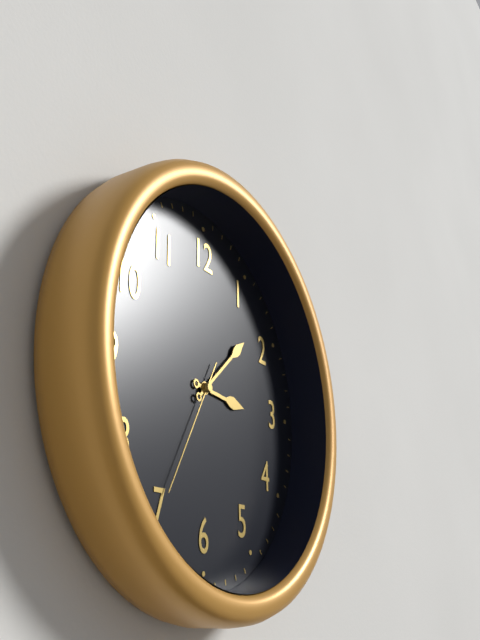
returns 3:08:35
